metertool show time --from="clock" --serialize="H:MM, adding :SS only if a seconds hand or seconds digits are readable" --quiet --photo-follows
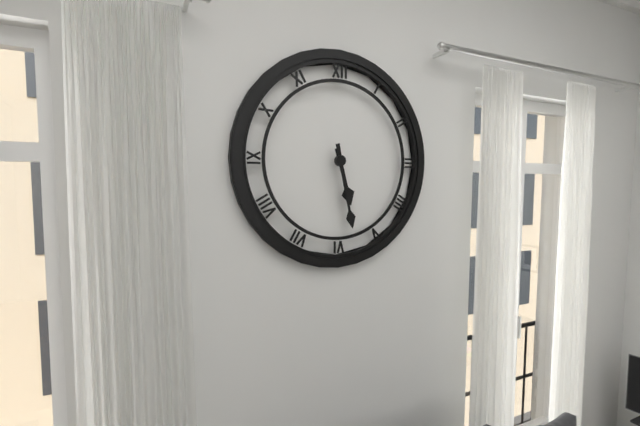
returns 5:28
